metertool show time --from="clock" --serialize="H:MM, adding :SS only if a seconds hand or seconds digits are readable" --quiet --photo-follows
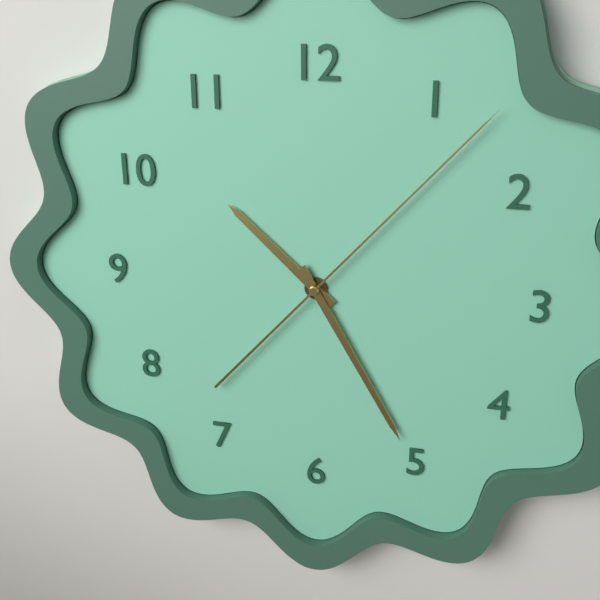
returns 10:25:07
